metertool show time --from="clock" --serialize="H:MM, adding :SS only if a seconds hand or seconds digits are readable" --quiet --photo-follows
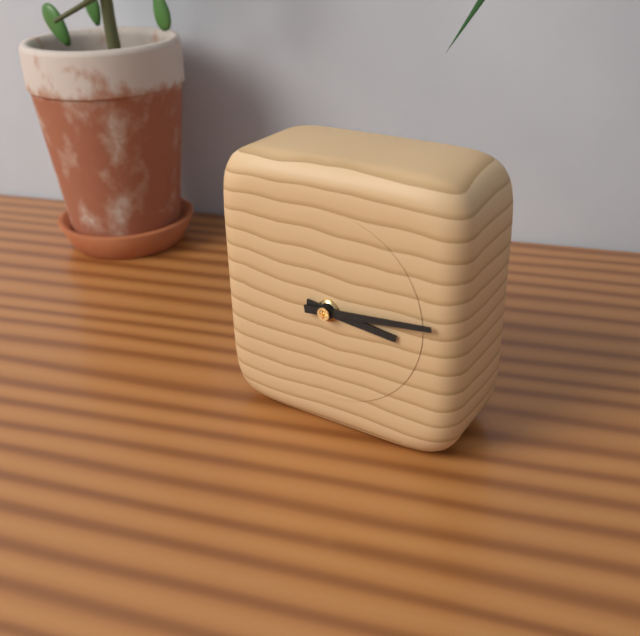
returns 3:14
